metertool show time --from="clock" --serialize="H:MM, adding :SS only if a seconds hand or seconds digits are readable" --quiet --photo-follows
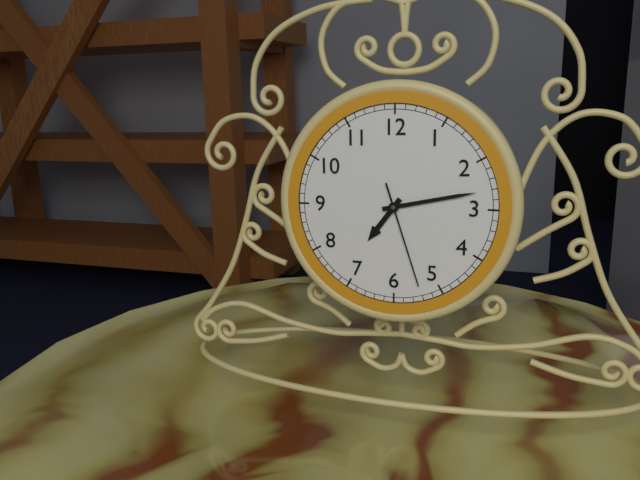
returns 7:13:27
